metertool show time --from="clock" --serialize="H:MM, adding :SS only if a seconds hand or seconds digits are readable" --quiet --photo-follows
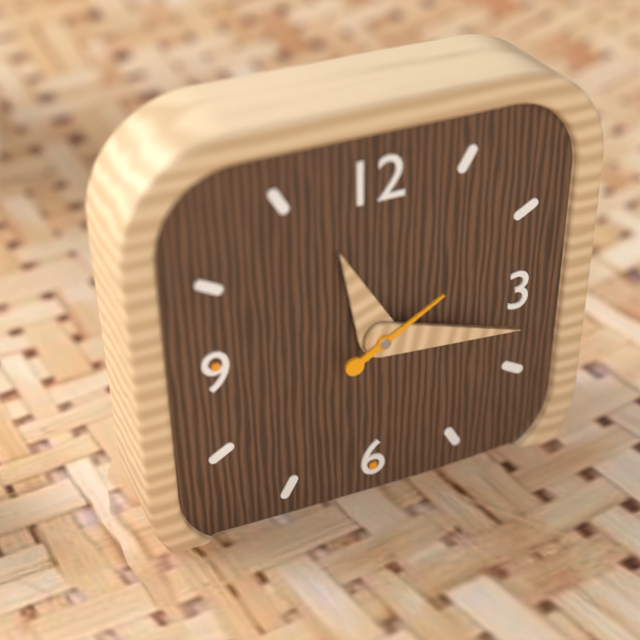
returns 11:17:10
